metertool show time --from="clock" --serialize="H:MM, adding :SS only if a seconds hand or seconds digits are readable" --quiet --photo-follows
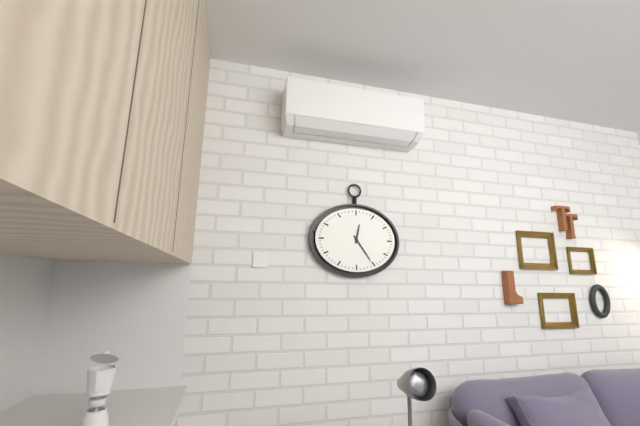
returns 12:24
